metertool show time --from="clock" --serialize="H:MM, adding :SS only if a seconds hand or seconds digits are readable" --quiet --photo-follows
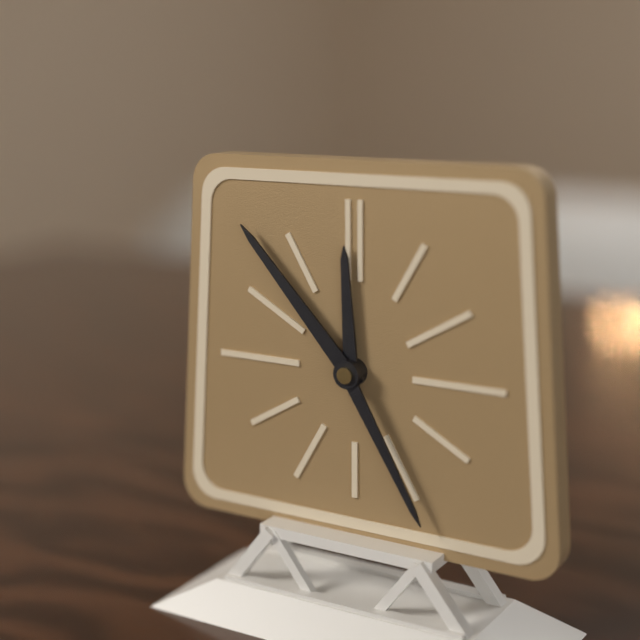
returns 11:53:25
